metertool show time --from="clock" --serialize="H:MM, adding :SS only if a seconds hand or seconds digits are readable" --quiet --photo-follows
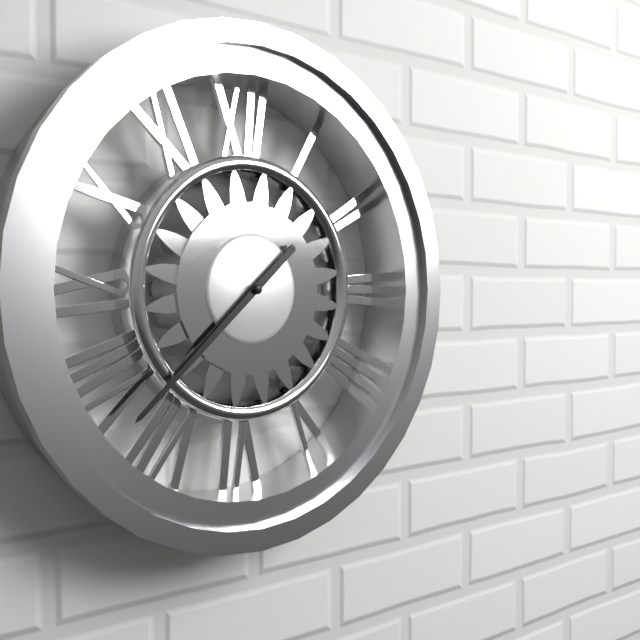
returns 7:38
